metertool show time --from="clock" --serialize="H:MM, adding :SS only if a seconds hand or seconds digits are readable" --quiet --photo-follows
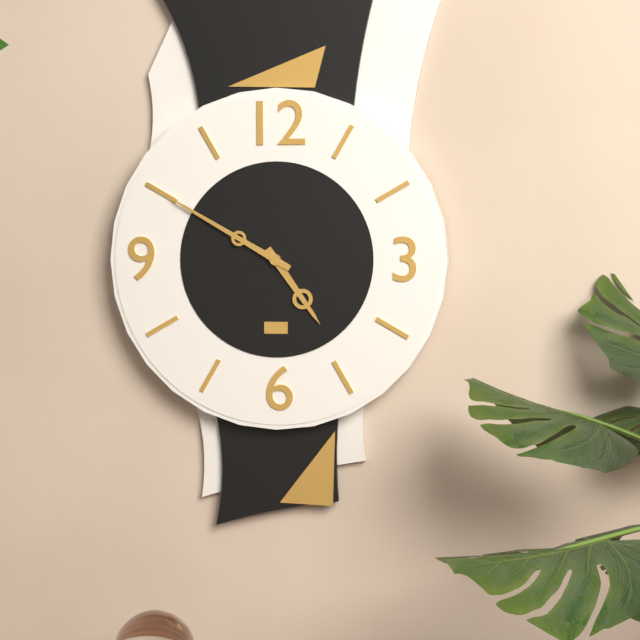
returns 4:50
